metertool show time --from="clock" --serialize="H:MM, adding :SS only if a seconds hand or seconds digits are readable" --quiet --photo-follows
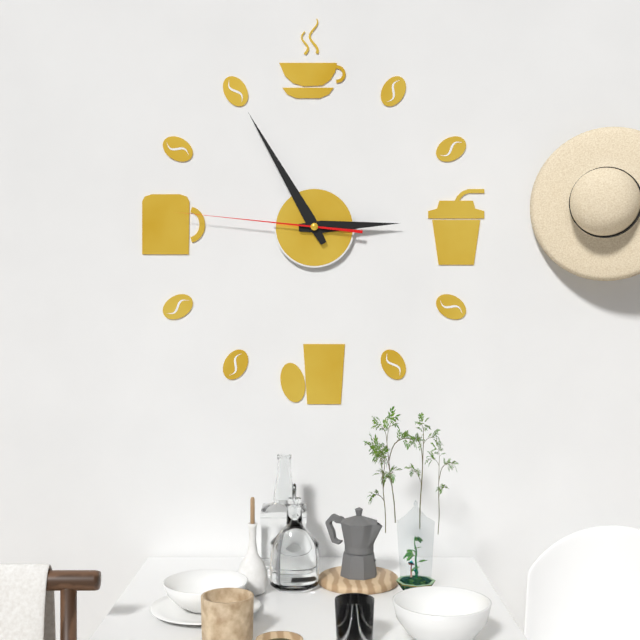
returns 2:55:46
